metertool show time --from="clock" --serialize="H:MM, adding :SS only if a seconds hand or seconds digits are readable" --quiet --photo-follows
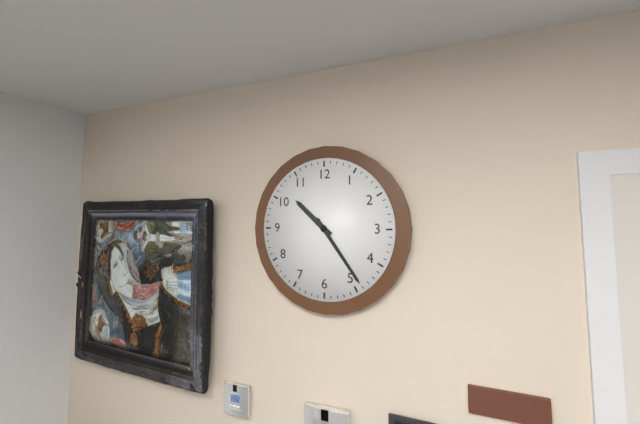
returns 10:24
